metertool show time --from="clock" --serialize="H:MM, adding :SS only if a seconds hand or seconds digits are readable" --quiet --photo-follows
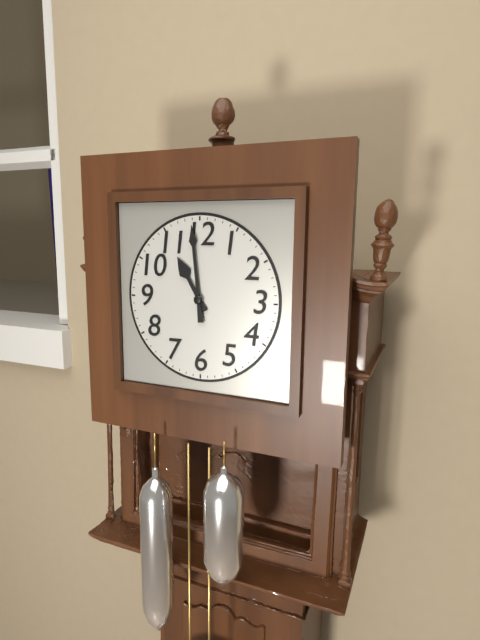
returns 10:59
